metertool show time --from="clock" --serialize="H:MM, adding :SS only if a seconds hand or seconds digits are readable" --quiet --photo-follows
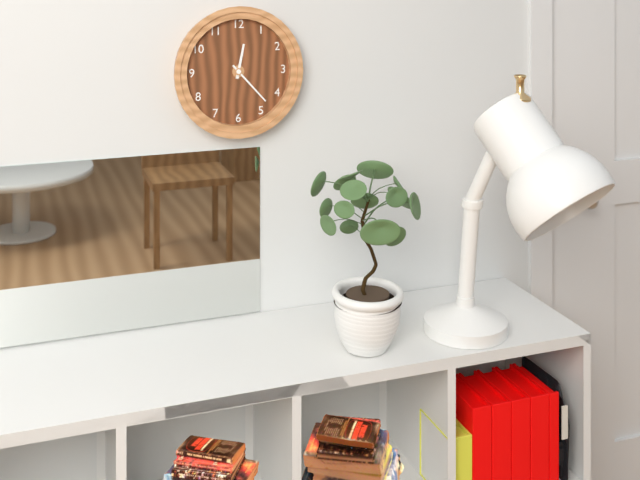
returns 12:23
